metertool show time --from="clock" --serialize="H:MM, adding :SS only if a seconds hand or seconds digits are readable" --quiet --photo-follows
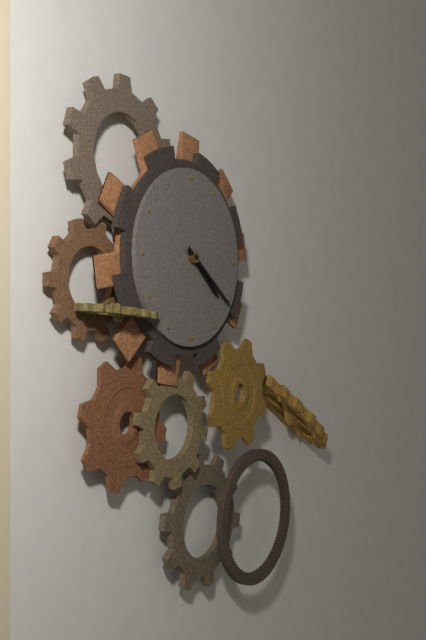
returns 4:21
